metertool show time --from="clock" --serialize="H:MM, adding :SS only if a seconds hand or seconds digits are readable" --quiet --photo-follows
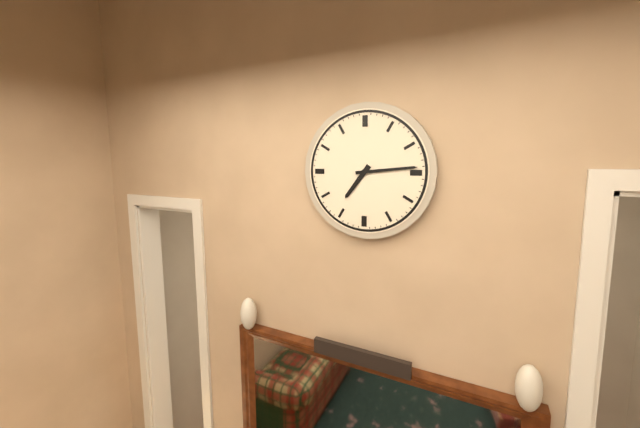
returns 7:14
